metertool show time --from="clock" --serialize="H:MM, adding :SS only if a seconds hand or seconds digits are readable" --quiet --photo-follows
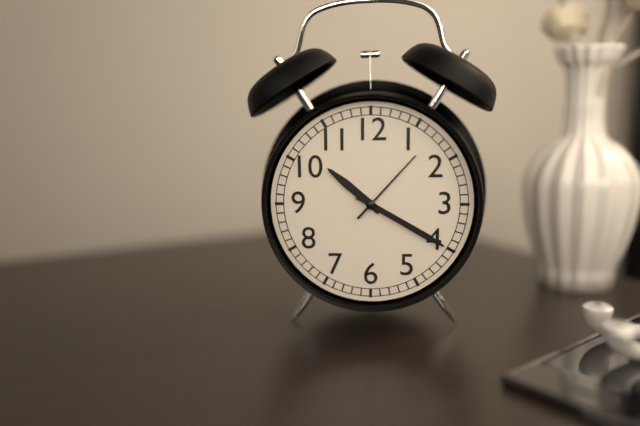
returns 10:20:07
